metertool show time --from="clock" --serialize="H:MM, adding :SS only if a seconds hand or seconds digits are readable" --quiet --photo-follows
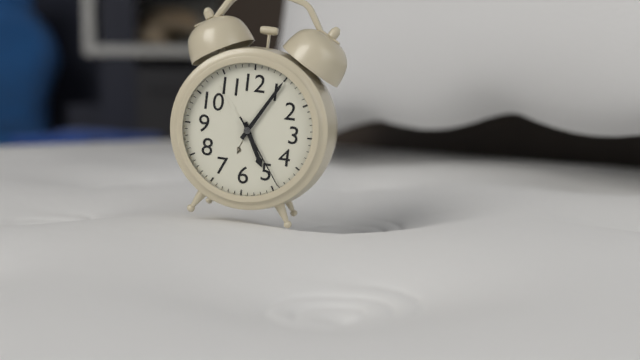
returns 5:05:24
